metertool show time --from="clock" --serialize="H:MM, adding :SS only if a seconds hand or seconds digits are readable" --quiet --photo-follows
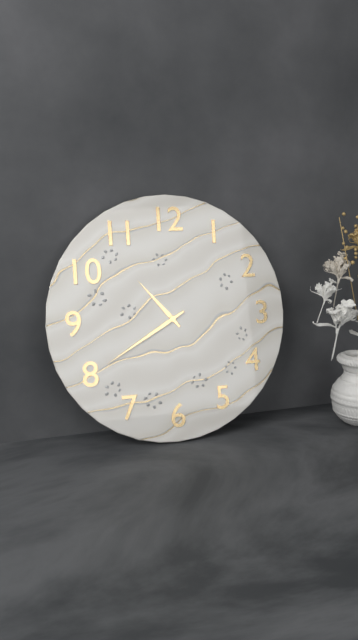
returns 10:40
